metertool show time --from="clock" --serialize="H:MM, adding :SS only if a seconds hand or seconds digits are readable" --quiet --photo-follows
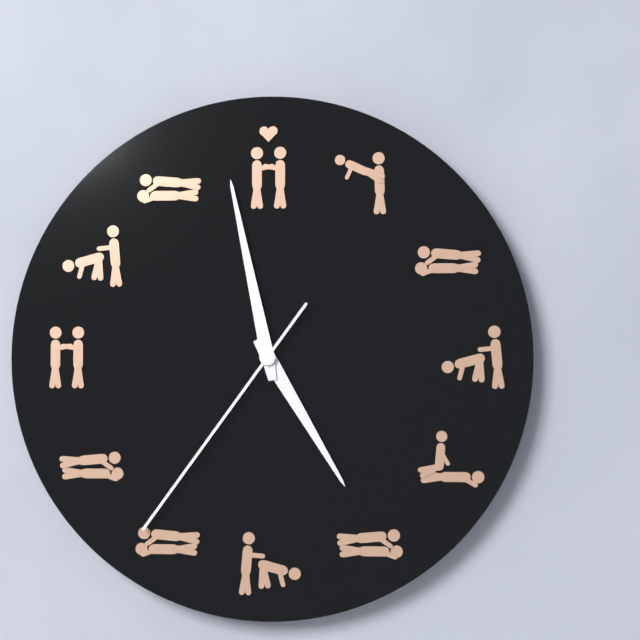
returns 4:58:36
